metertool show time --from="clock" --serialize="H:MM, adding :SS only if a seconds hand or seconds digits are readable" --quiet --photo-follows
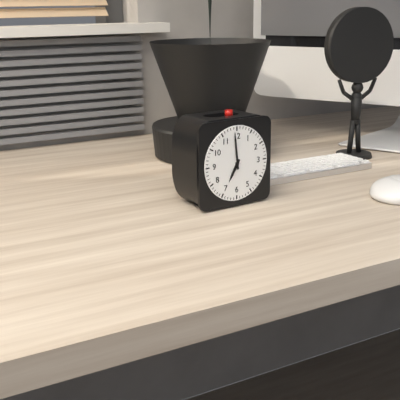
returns 6:59
